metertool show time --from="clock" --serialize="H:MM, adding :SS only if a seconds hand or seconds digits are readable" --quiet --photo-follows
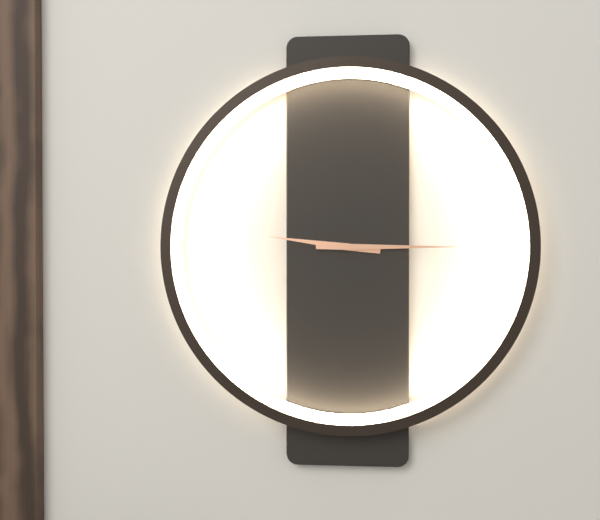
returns 9:15
